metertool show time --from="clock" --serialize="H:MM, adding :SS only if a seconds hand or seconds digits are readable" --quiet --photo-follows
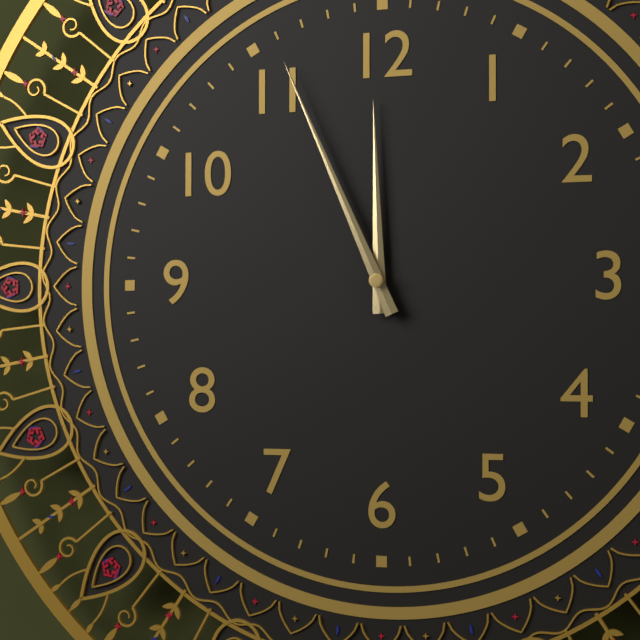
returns 11:56
